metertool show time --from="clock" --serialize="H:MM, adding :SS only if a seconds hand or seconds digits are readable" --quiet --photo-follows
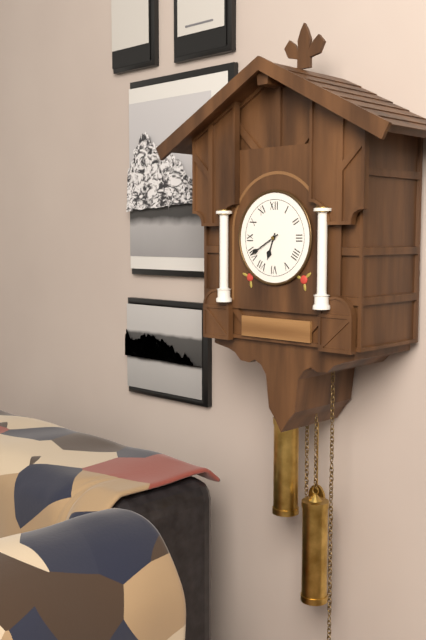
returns 6:40
